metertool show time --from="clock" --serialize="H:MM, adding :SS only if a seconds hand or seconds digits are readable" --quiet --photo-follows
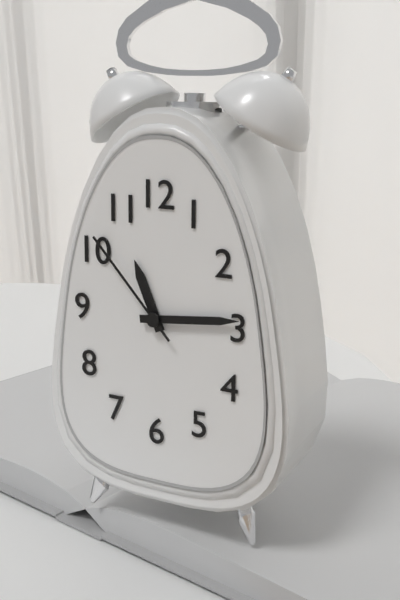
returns 11:14:53
